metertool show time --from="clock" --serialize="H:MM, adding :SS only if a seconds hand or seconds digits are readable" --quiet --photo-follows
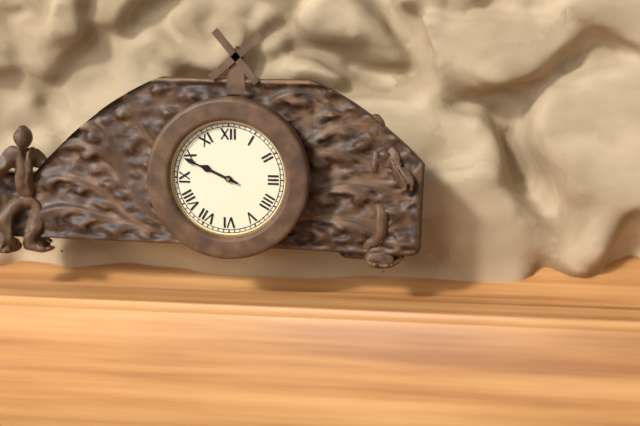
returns 9:49
